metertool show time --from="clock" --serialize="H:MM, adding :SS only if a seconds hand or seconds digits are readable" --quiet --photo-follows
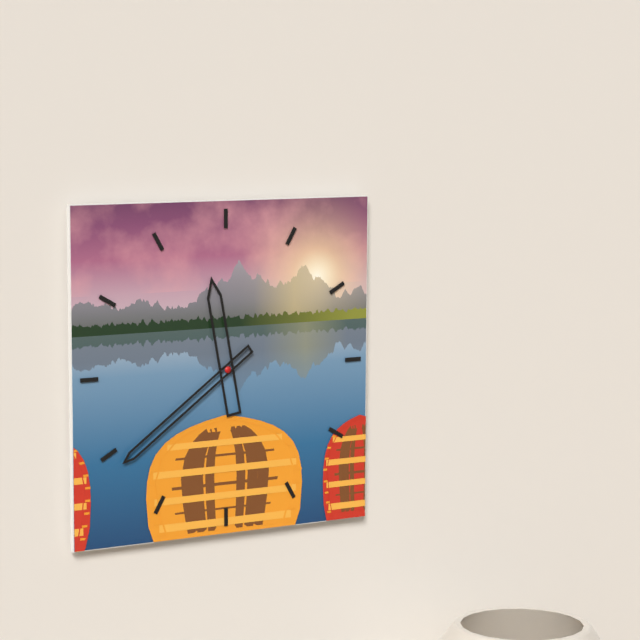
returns 11:39
